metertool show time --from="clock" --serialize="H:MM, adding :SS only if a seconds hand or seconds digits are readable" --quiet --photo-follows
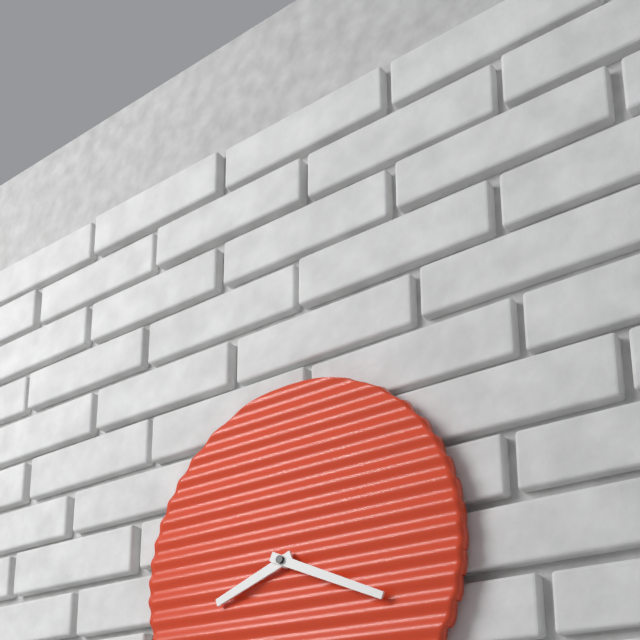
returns 8:19
